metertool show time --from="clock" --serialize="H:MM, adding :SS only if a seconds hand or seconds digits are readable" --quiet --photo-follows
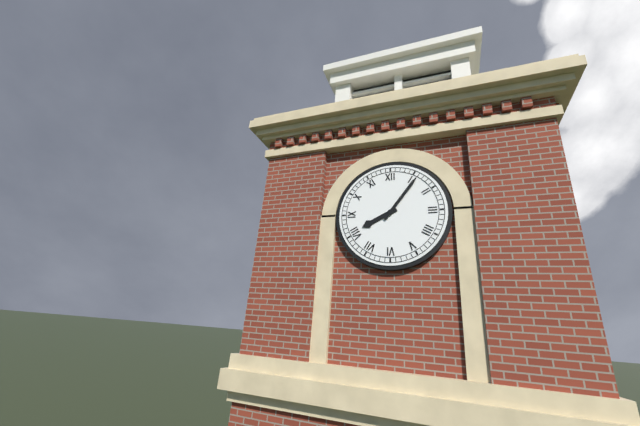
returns 8:06
